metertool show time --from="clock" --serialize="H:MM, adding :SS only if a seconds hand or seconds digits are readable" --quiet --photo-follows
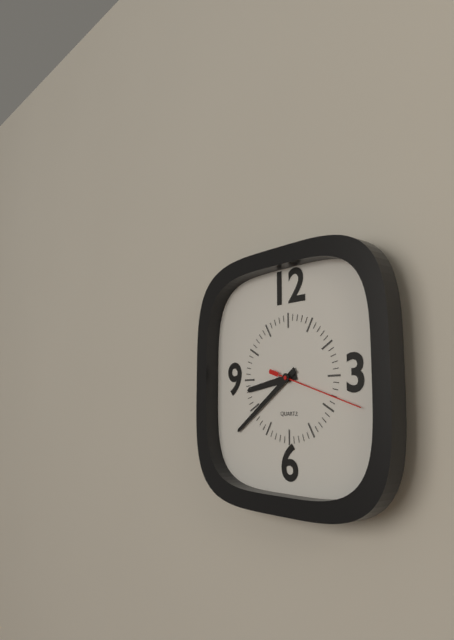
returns 8:39:18
